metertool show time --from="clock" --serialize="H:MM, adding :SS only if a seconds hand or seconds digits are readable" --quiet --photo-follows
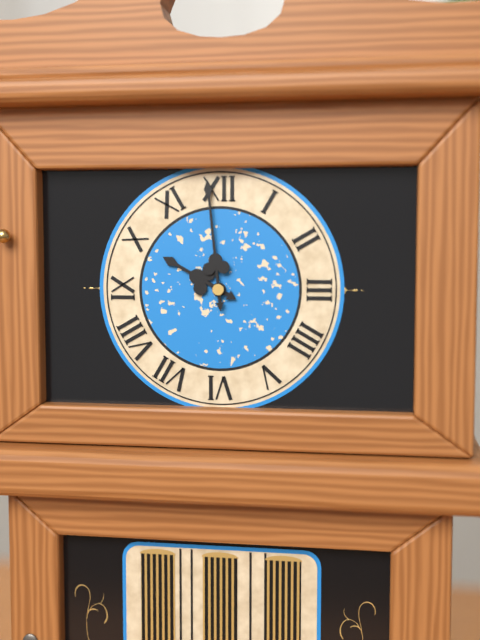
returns 9:59
